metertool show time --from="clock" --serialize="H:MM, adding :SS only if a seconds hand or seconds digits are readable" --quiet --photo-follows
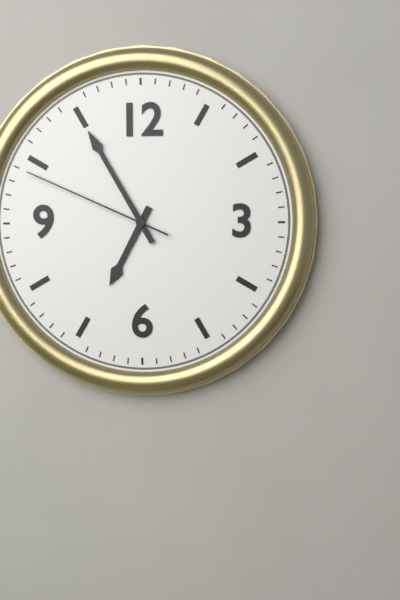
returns 6:55:49
